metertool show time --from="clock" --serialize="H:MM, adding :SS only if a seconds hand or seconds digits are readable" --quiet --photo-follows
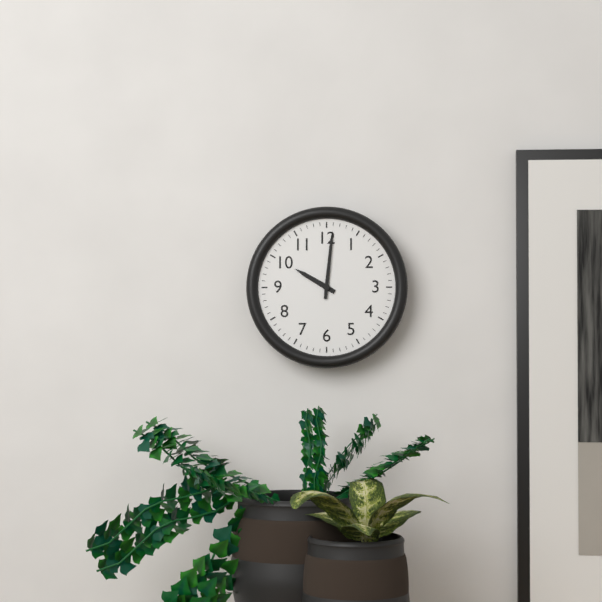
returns 10:01
